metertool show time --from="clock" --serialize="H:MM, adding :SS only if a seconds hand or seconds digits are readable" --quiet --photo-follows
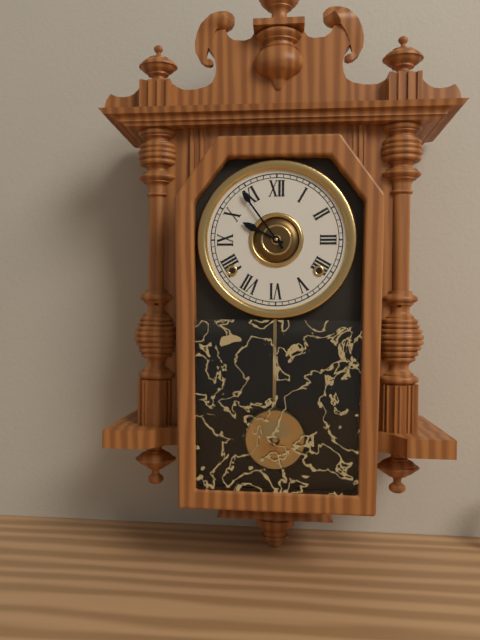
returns 9:54
